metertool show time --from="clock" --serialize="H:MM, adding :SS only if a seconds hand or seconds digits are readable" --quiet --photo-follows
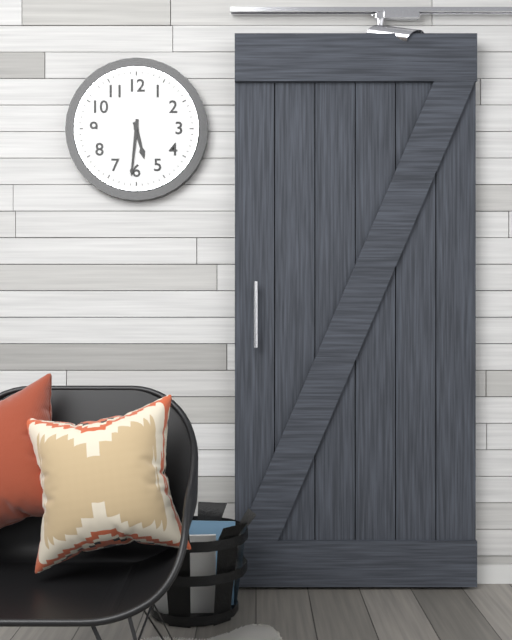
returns 5:31
